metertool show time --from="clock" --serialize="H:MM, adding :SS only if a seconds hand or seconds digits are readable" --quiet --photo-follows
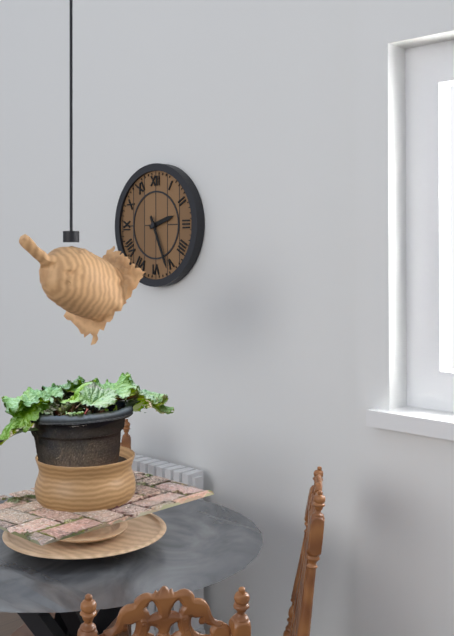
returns 2:26
